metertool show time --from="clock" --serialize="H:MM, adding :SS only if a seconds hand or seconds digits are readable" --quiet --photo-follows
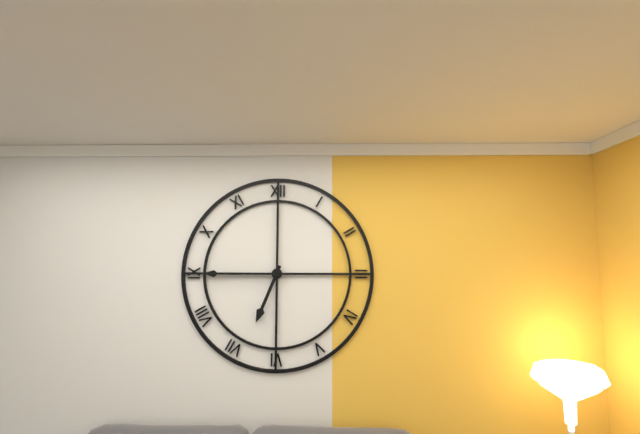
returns 6:45
